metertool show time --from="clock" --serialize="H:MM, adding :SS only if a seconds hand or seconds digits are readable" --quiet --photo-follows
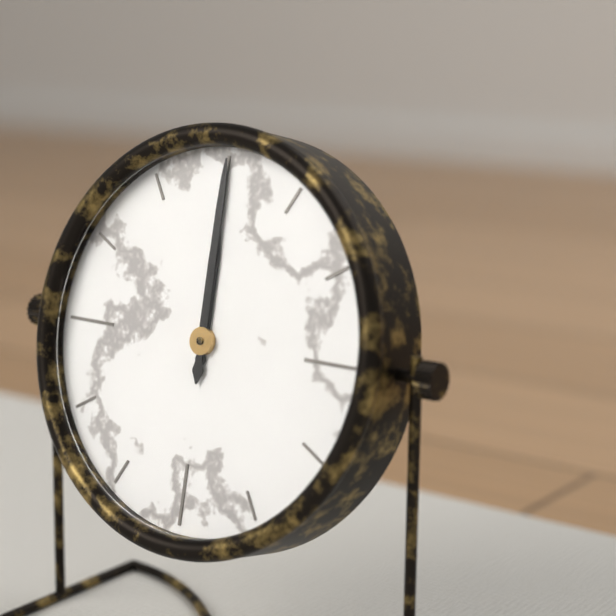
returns 12:00
